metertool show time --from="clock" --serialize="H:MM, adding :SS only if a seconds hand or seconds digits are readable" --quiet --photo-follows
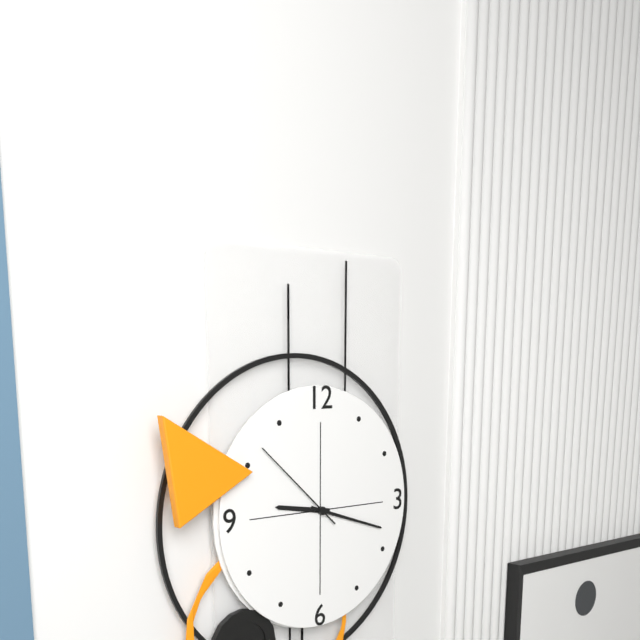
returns 9:18:52
